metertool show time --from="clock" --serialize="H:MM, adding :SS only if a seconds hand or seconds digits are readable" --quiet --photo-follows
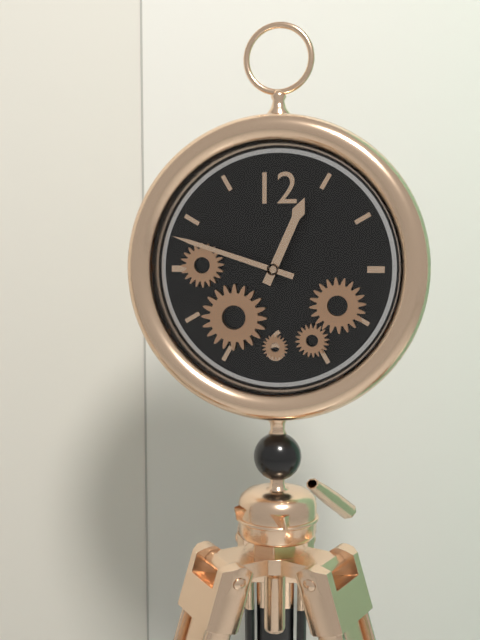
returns 12:48
